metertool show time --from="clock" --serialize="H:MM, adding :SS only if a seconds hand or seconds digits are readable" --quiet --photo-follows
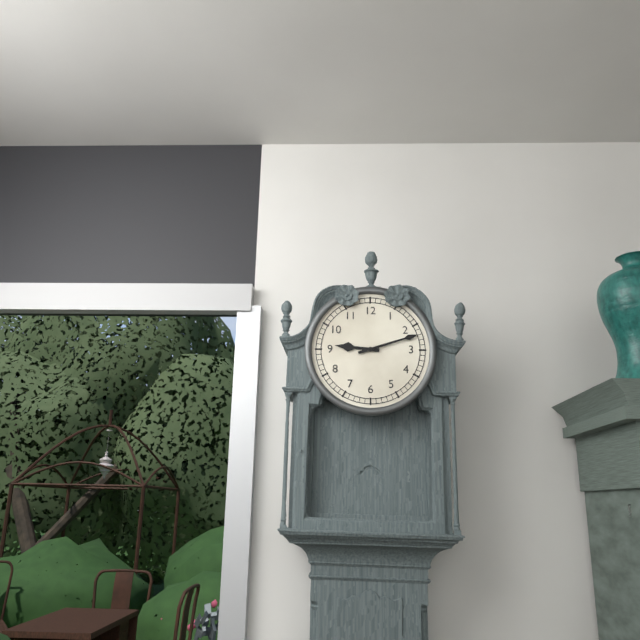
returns 9:12
